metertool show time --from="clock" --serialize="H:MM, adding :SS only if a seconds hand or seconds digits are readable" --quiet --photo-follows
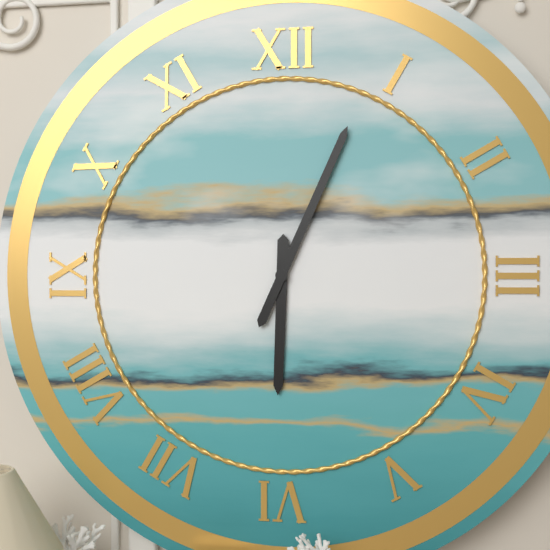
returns 6:04
